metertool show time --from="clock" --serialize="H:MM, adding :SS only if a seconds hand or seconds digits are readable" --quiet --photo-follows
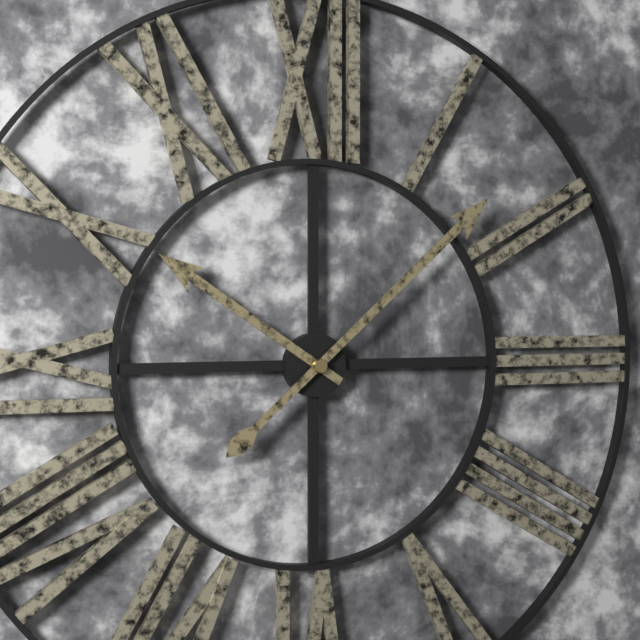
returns 10:08
